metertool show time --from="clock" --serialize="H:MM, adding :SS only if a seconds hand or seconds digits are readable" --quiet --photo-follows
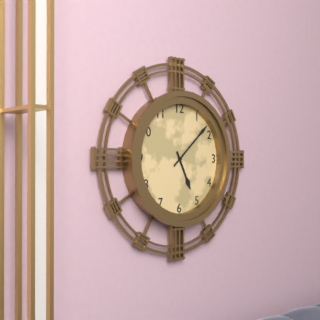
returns 5:08
